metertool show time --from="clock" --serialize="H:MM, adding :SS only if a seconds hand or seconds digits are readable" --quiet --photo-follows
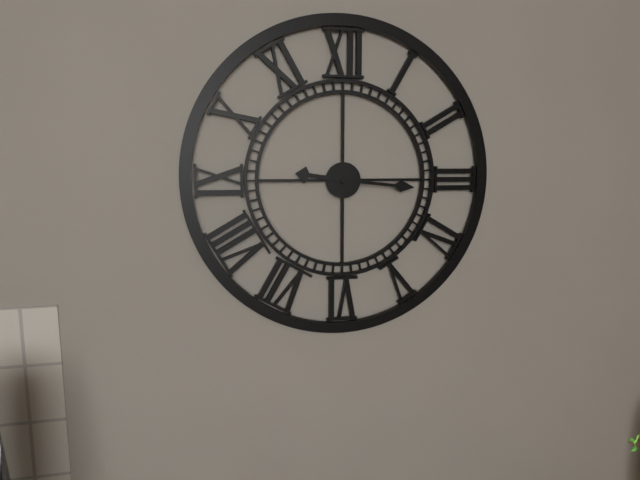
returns 9:16
